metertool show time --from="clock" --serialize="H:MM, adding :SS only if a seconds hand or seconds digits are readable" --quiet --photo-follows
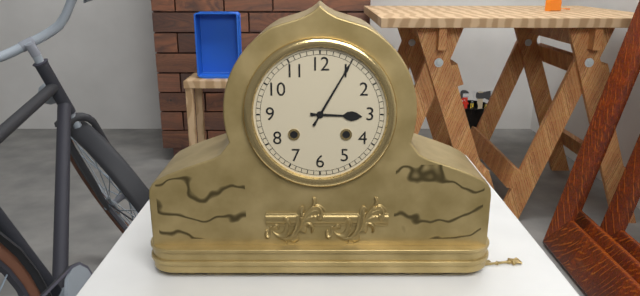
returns 3:05
